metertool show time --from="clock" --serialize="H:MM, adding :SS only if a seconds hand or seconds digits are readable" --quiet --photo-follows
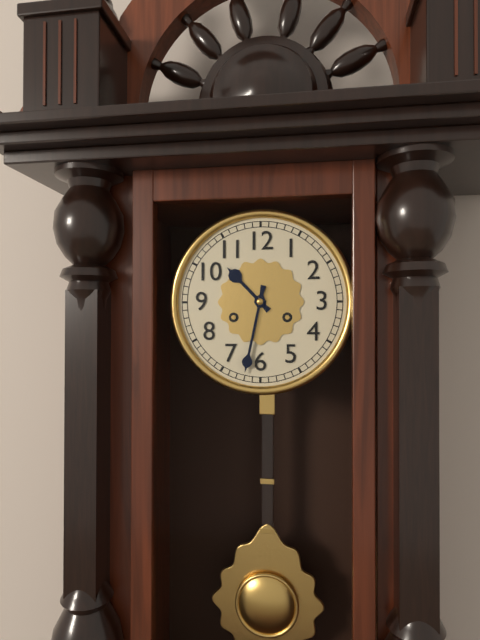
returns 10:32
